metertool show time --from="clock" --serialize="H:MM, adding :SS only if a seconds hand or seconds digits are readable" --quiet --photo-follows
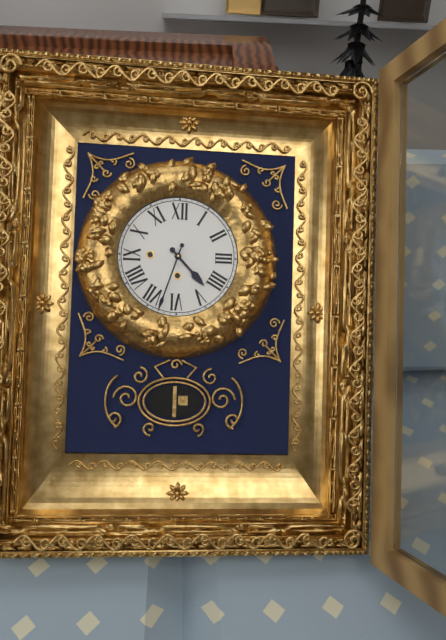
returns 4:33
